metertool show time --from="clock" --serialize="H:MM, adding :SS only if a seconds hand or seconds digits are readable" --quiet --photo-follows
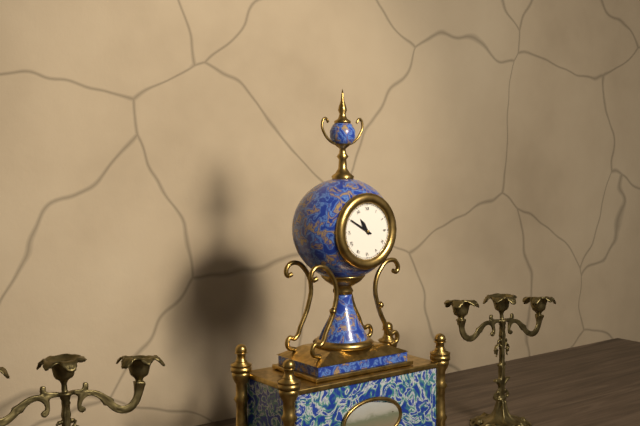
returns 10:50
